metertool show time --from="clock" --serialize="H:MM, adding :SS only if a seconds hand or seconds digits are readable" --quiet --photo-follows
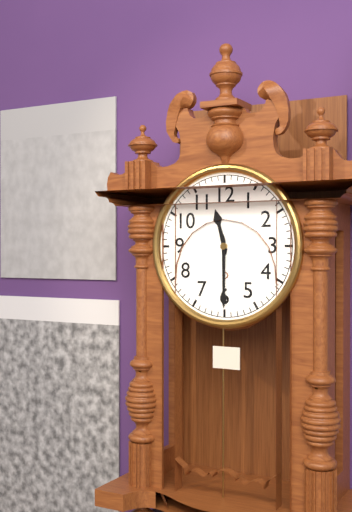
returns 11:30
